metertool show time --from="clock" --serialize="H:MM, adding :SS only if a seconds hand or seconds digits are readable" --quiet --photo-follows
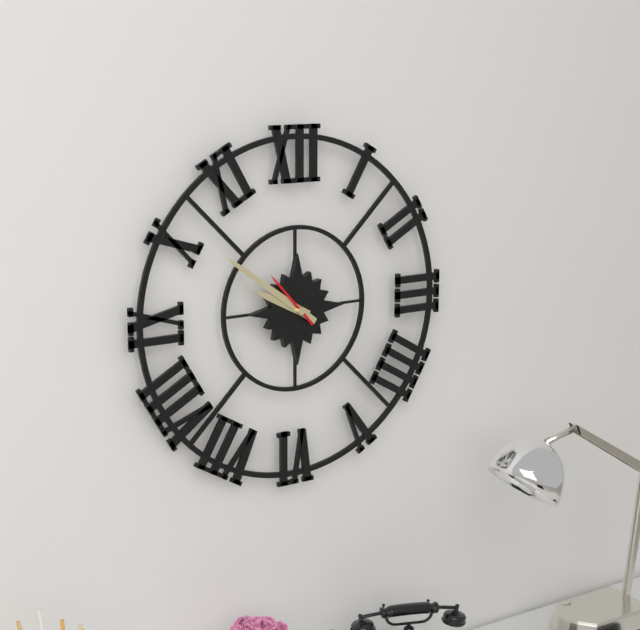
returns 9:51:53
